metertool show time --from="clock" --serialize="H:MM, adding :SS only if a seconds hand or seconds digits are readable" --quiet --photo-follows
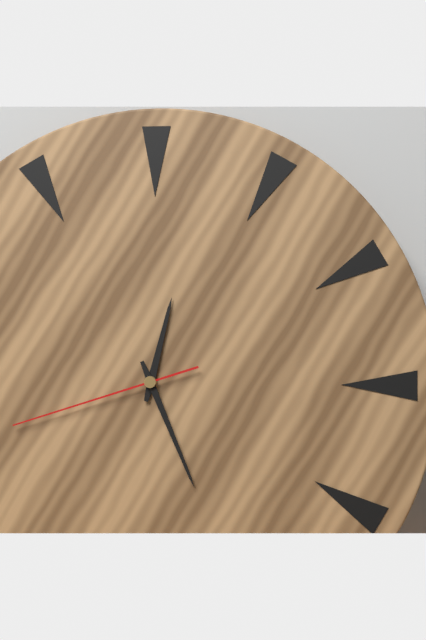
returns 12:26:42
